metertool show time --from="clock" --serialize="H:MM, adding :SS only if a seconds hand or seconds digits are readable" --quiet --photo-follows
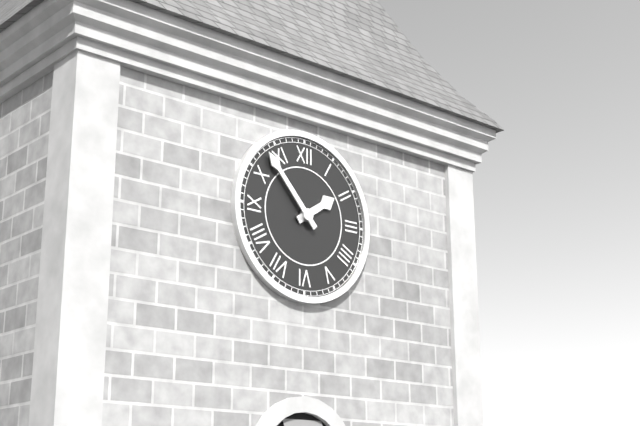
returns 1:53
